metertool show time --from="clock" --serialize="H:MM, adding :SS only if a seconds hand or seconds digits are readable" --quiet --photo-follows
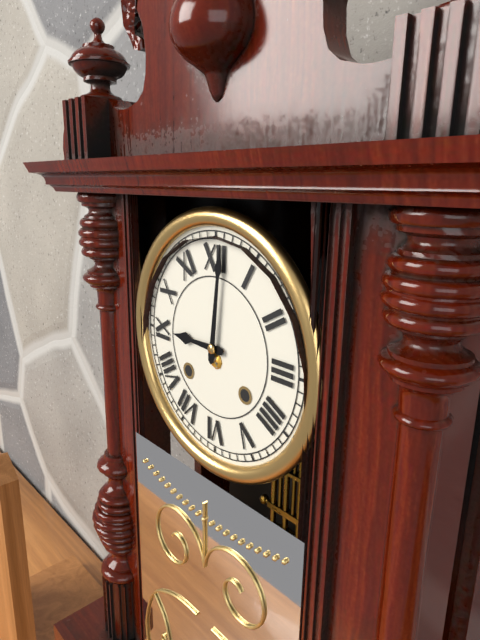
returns 9:01
